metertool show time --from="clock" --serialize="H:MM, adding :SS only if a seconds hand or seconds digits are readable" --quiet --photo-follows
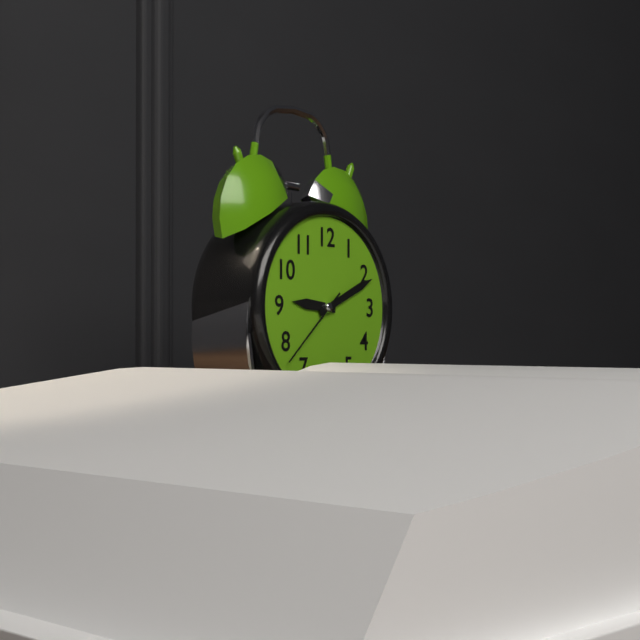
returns 9:11:38
